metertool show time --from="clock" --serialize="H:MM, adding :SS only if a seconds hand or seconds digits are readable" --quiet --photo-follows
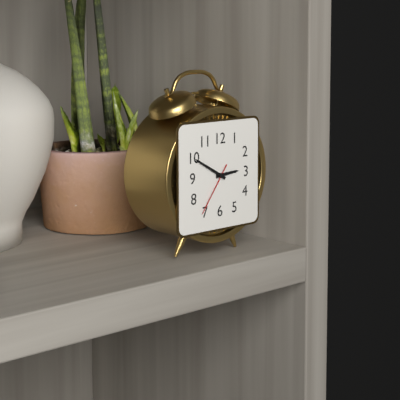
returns 2:50:36
